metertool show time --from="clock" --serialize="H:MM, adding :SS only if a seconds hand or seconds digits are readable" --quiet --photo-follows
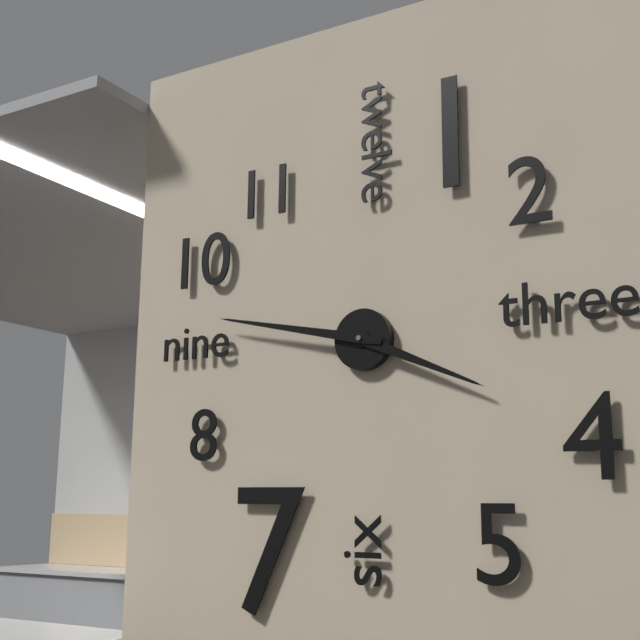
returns 3:47
